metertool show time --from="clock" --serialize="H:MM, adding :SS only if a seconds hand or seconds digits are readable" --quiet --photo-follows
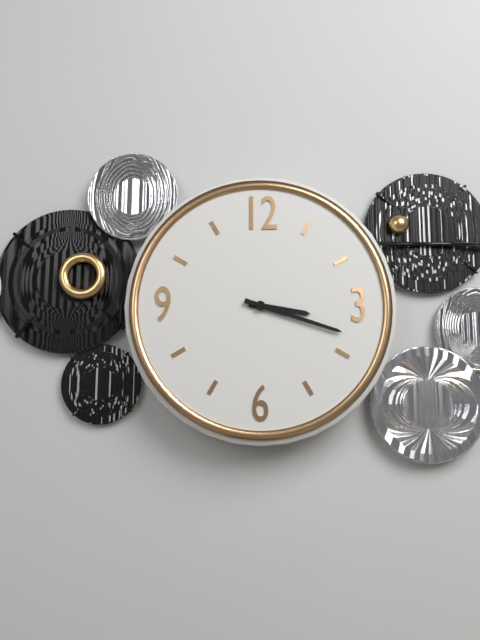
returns 3:18
